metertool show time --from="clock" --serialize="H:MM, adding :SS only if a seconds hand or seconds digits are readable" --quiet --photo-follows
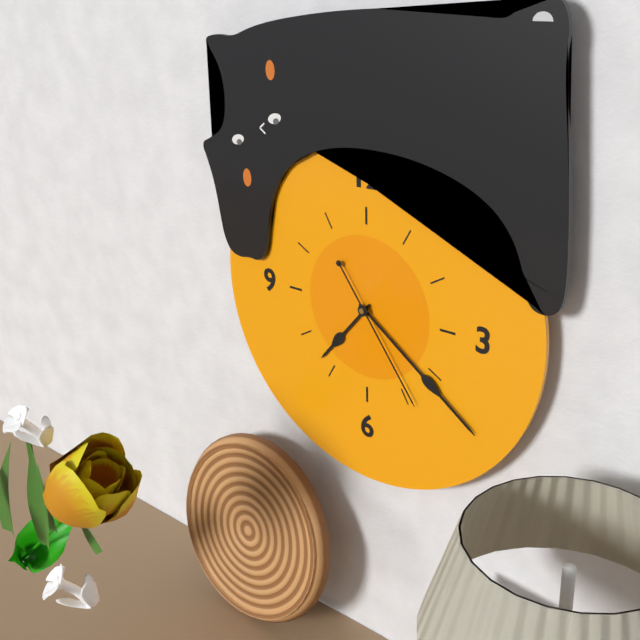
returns 7:21:24
